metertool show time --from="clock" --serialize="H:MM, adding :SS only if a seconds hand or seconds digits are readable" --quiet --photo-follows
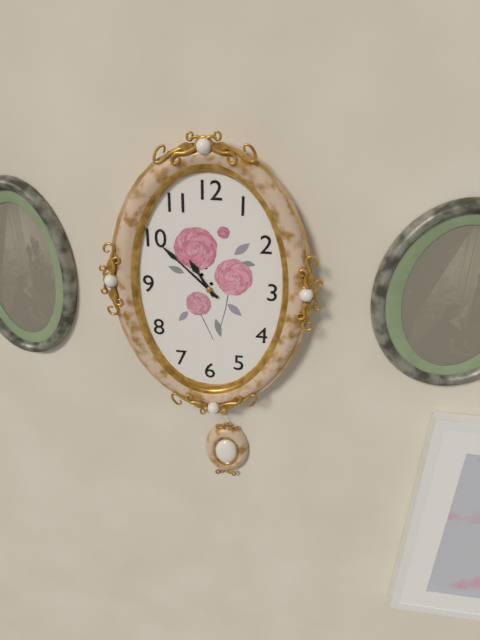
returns 10:52
